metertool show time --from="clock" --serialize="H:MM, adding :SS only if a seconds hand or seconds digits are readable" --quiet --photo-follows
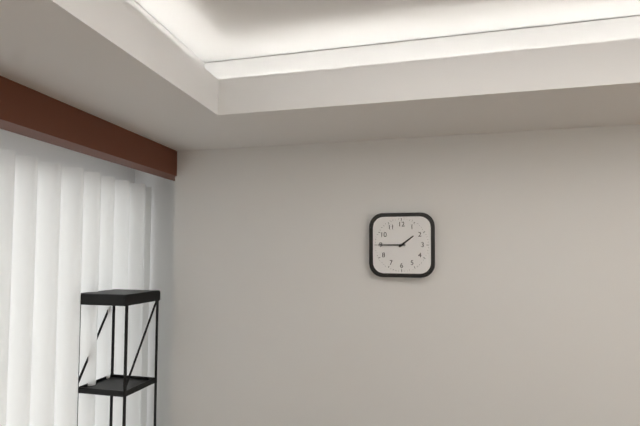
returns 1:45
